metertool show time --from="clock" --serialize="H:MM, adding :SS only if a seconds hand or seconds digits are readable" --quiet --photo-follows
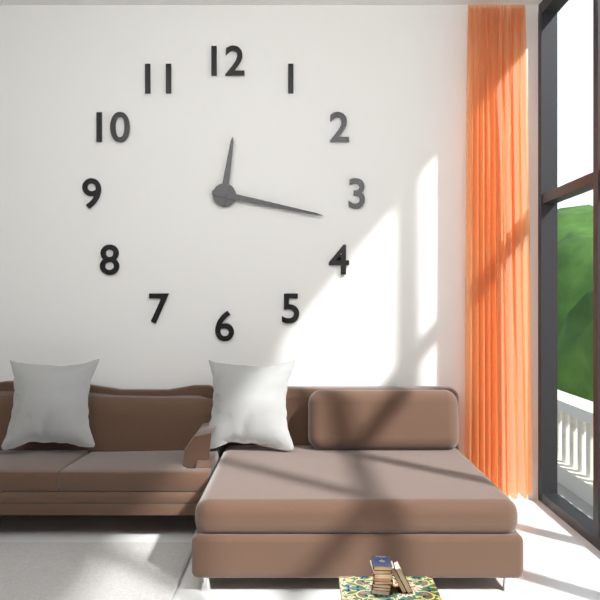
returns 12:17
